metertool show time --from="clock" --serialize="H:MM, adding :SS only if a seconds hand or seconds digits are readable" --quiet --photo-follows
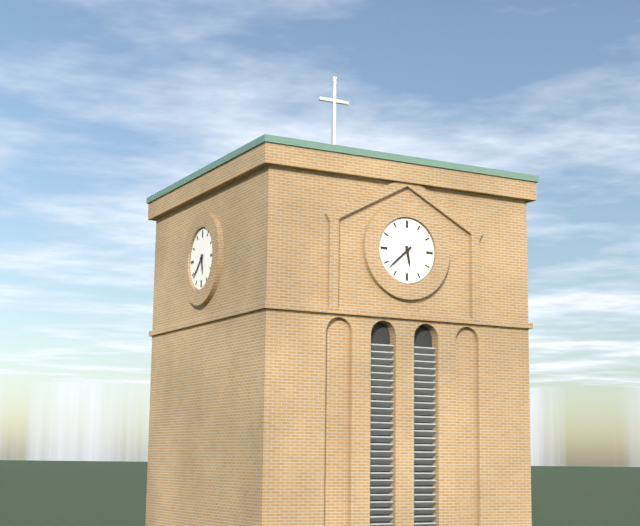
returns 5:38
